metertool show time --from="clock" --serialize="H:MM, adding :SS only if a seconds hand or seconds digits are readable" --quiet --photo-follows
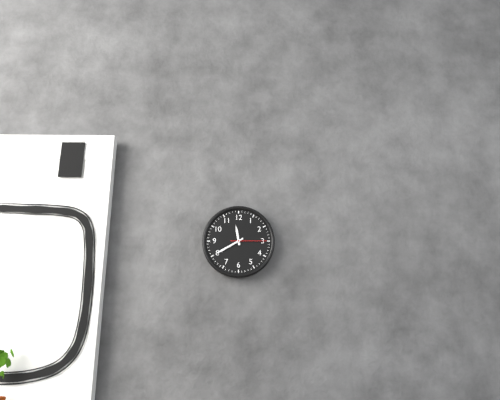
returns 11:40
